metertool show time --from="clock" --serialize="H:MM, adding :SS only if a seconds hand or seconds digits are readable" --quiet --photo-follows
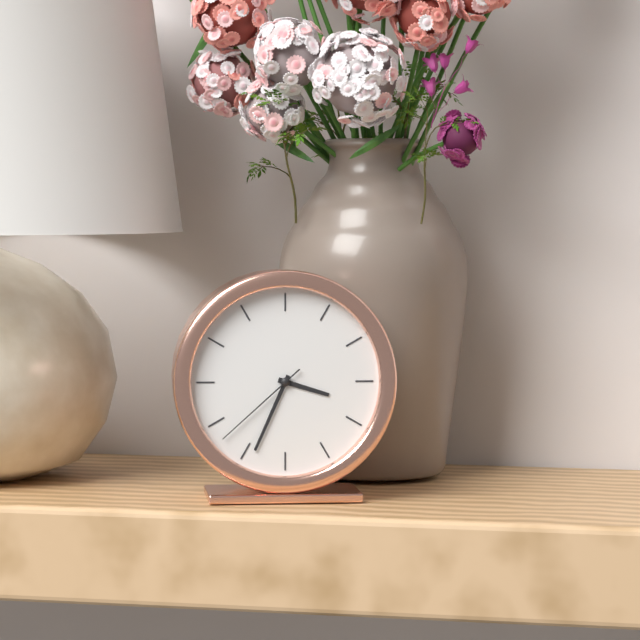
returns 3:34:38
